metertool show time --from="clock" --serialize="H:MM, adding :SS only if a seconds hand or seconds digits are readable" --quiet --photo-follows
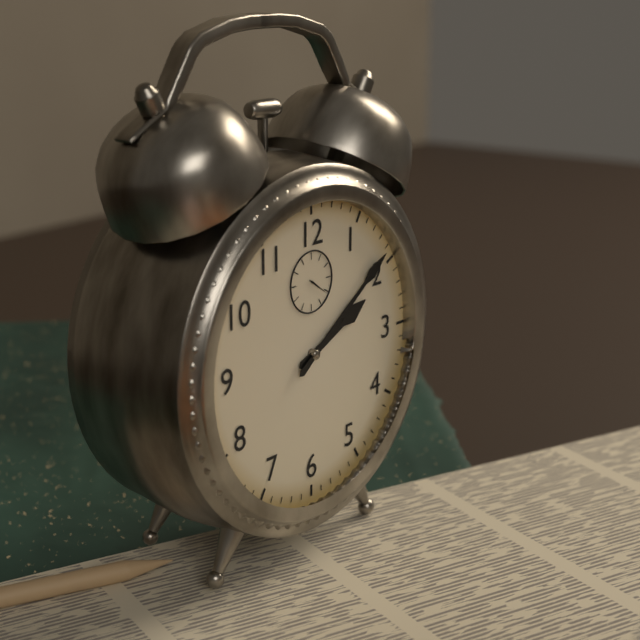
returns 2:09
